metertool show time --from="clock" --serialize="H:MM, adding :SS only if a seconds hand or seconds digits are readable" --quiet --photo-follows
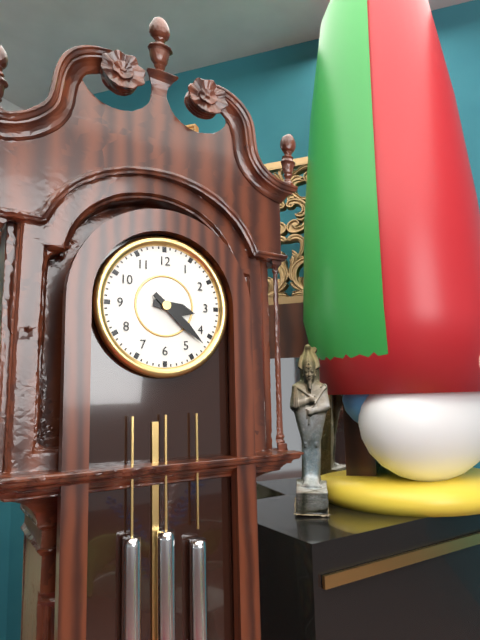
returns 3:22
